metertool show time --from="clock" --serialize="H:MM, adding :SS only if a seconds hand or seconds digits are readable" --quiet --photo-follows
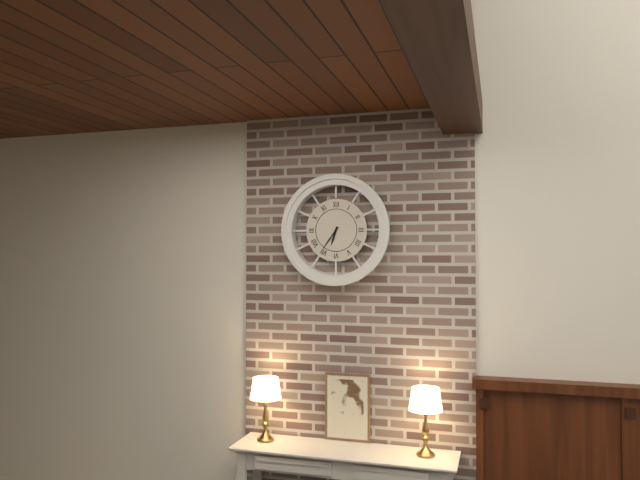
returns 6:36
